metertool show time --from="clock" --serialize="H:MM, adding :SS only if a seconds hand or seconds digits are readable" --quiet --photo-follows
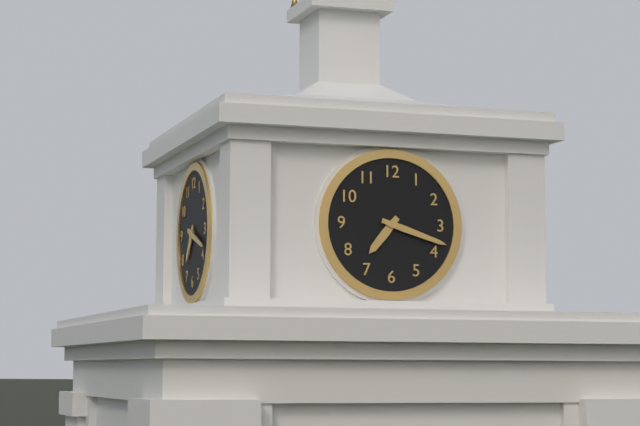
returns 7:18
